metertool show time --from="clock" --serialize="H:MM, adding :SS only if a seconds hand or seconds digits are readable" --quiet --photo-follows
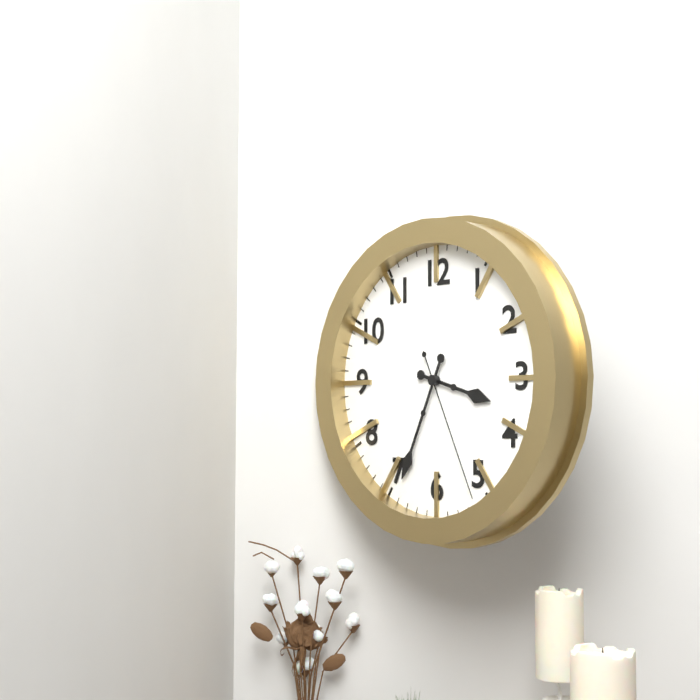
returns 3:34:26
